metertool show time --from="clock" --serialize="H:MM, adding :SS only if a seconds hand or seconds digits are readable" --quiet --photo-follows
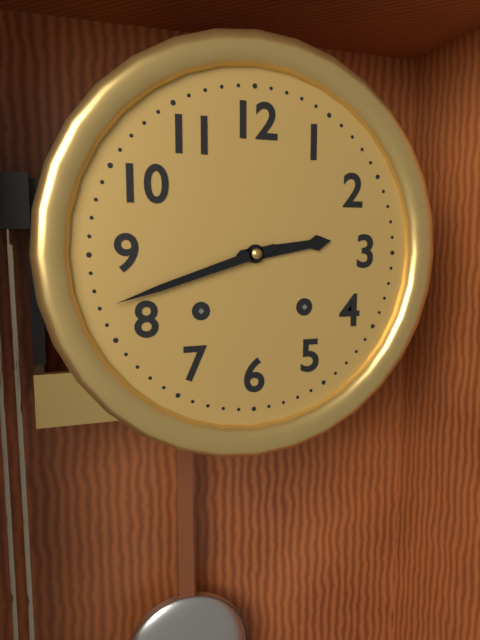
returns 2:42
